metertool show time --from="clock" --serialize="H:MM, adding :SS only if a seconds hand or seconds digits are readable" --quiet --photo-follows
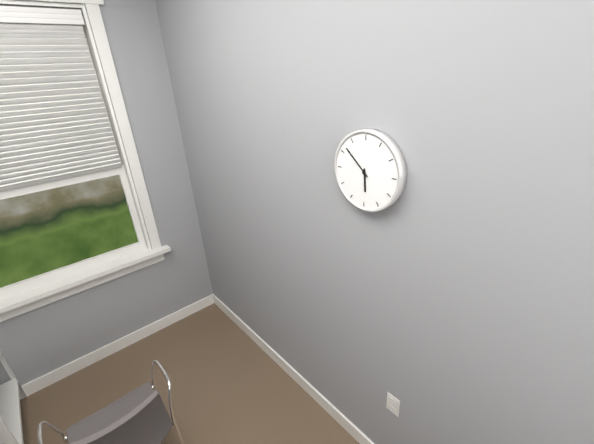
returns 5:52
